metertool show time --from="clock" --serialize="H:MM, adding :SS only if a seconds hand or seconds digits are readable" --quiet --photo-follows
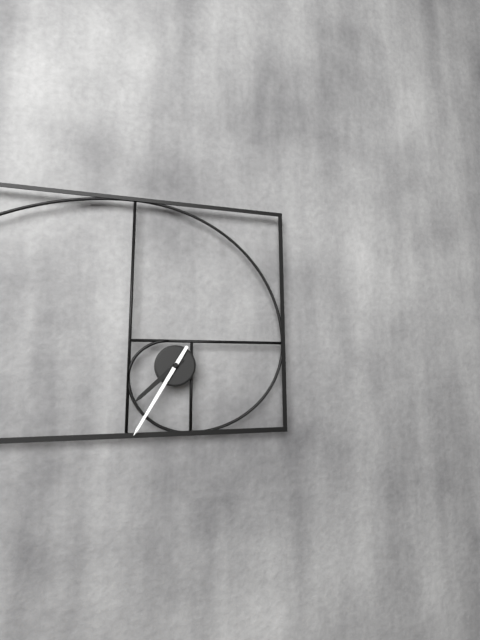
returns 7:35
